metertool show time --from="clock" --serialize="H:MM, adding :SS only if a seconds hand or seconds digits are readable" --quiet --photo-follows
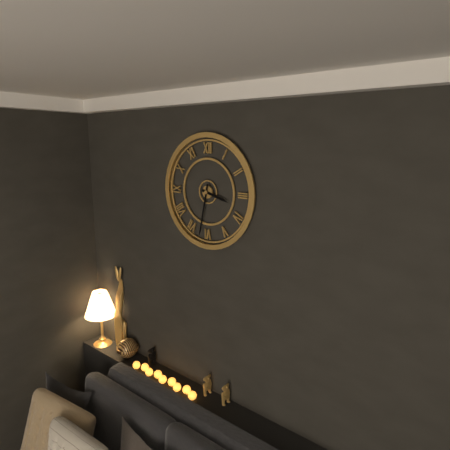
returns 3:32
